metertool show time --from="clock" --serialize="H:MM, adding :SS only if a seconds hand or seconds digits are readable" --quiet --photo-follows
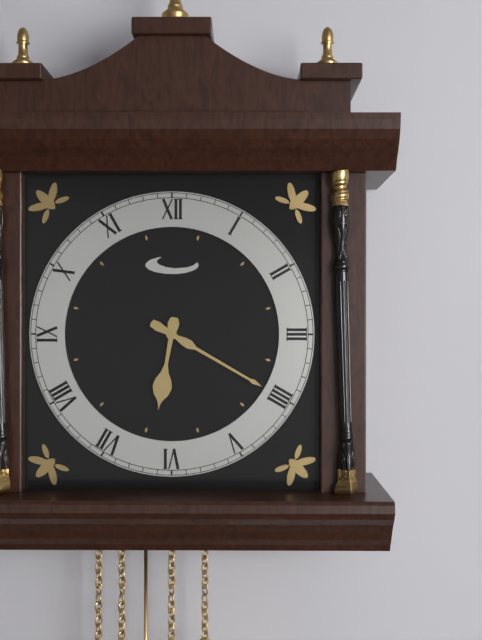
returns 6:20
